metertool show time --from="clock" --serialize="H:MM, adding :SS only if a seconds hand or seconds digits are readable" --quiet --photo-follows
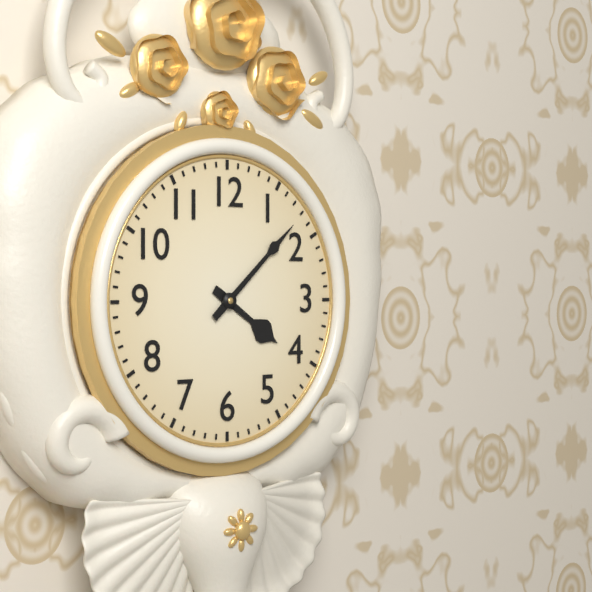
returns 4:08
